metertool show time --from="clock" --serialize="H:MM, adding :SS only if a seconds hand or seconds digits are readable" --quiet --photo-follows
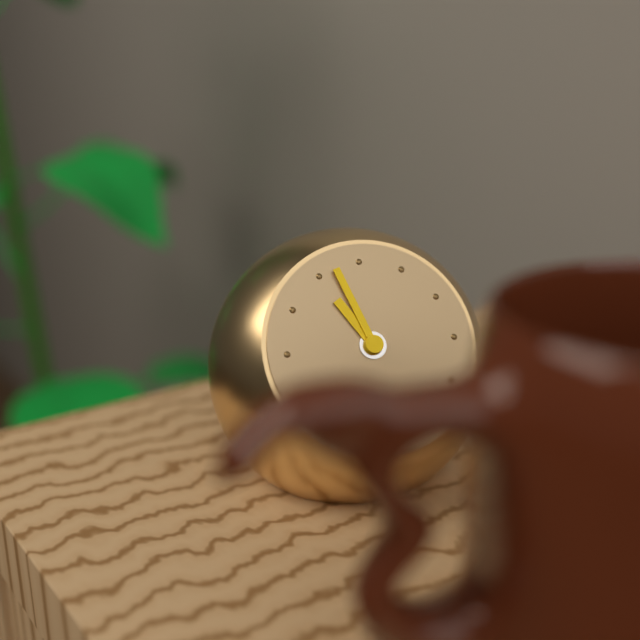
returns 10:57
